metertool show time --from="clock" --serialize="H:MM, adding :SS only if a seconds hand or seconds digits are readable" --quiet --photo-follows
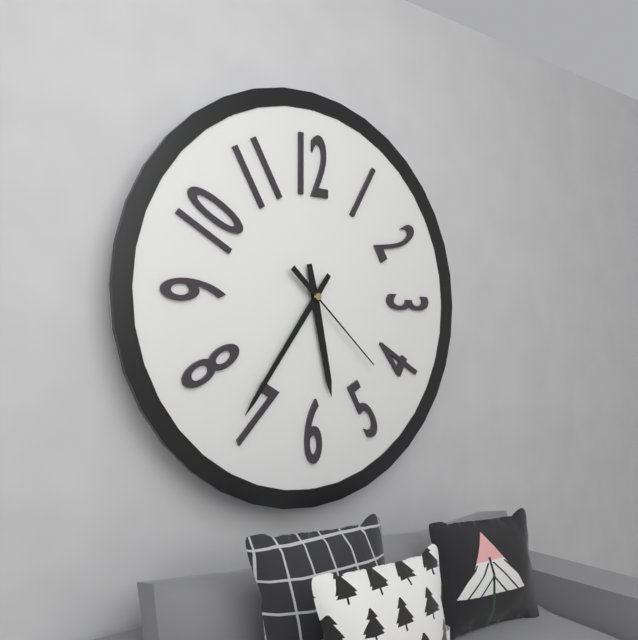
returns 5:36:22
